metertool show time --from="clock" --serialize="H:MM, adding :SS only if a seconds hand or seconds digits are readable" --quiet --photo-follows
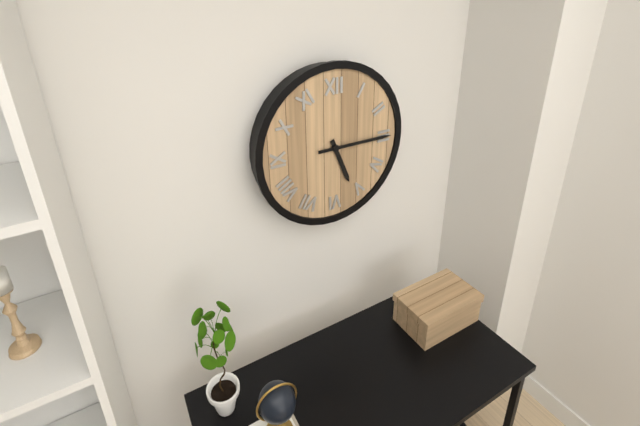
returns 5:15
